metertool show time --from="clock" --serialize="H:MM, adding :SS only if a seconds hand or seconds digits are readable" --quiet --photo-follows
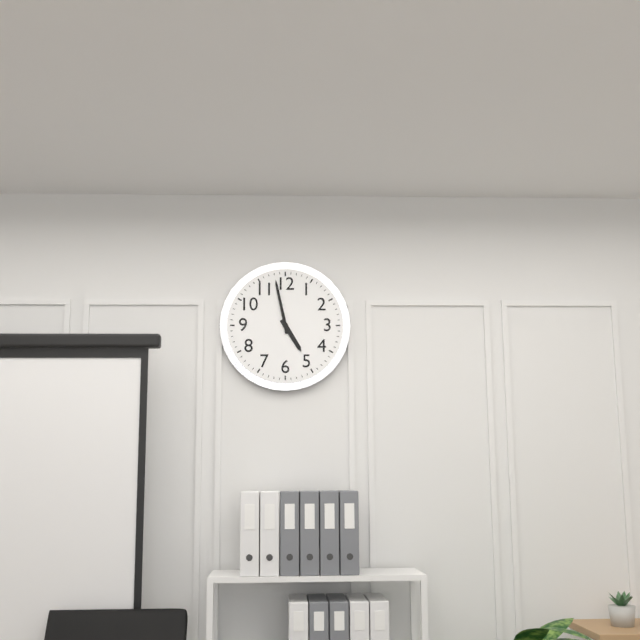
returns 4:58
